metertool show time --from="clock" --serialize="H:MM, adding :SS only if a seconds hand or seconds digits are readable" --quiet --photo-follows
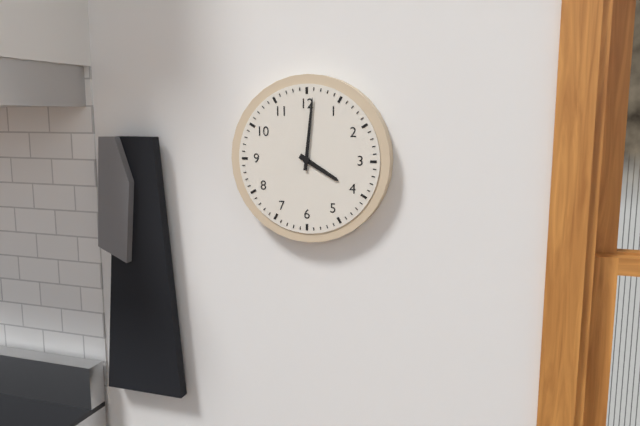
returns 4:01
